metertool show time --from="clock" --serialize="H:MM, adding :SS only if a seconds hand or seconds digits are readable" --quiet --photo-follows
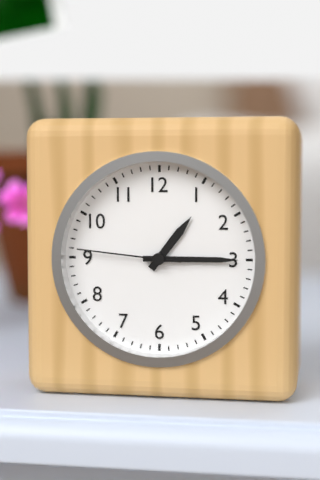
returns 1:15:46
